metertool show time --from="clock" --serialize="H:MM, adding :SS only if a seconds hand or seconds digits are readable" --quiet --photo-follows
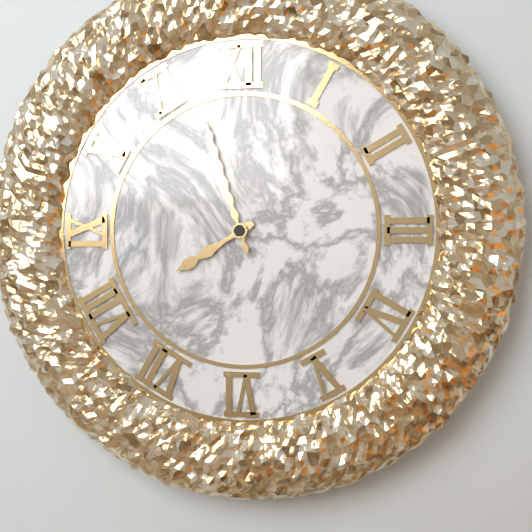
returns 7:57
